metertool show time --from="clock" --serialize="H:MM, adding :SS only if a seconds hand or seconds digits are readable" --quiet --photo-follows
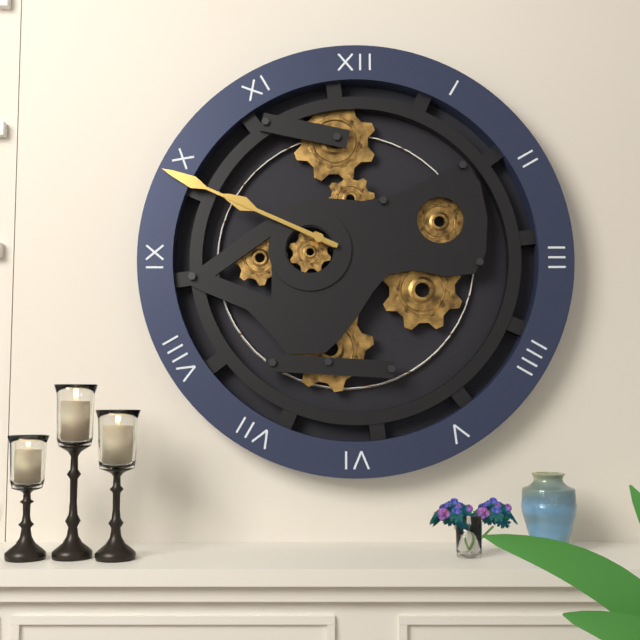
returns 9:49
